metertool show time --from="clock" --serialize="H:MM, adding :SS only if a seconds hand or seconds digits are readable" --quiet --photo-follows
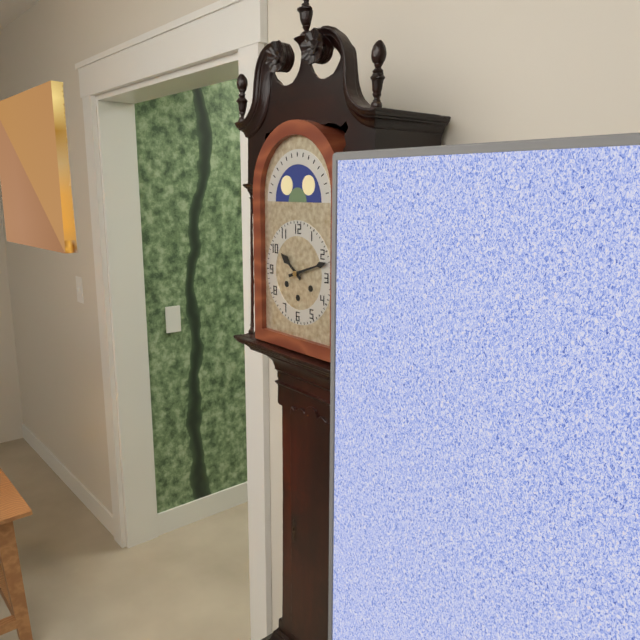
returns 10:12
